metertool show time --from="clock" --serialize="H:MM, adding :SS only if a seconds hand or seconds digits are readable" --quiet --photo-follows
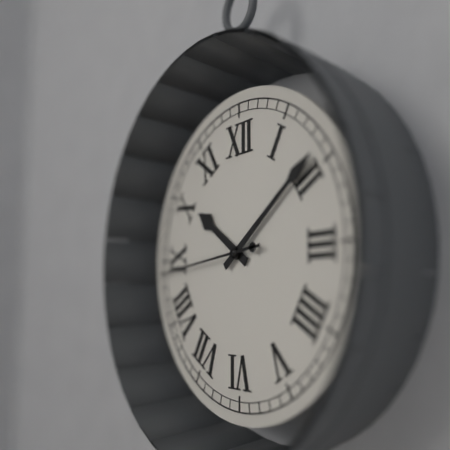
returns 10:09:44
